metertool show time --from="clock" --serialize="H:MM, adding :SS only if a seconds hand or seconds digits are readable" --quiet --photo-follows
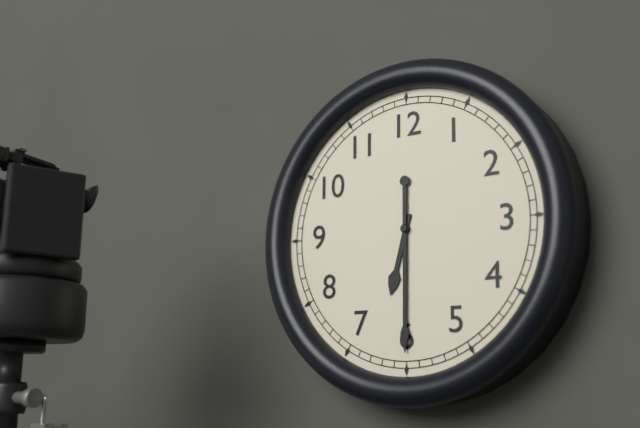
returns 6:30
